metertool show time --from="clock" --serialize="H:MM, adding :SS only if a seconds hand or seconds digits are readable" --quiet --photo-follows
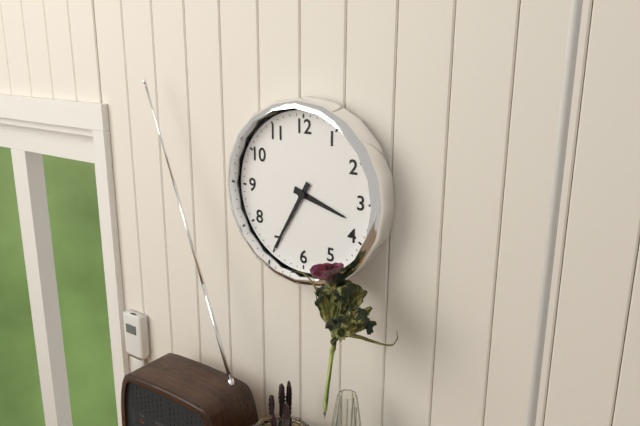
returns 3:35
